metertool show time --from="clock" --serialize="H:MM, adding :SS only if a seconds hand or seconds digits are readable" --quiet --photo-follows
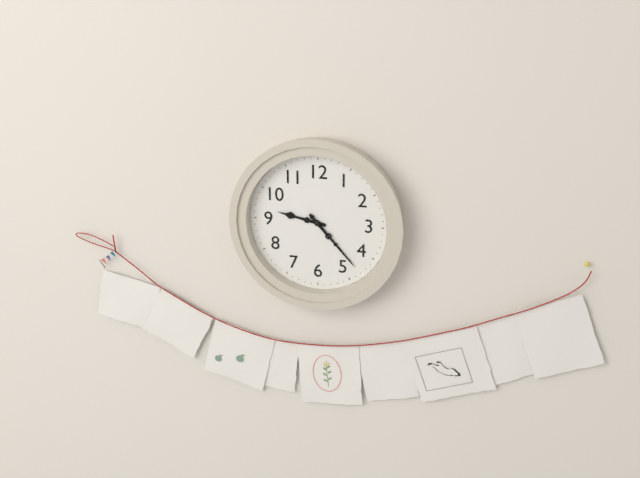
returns 9:23
